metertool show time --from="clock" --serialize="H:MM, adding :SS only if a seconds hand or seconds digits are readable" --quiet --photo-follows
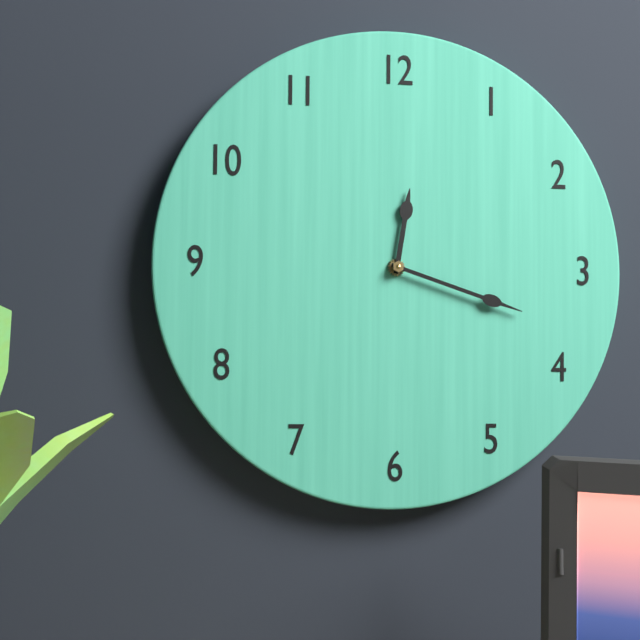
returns 12:18
